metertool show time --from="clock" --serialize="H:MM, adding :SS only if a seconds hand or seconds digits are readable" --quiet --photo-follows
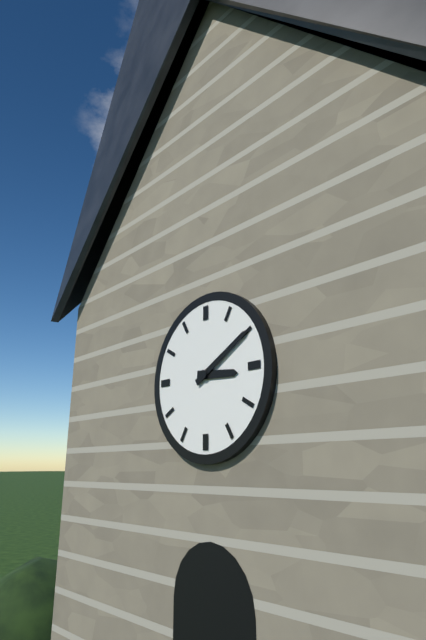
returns 3:10
